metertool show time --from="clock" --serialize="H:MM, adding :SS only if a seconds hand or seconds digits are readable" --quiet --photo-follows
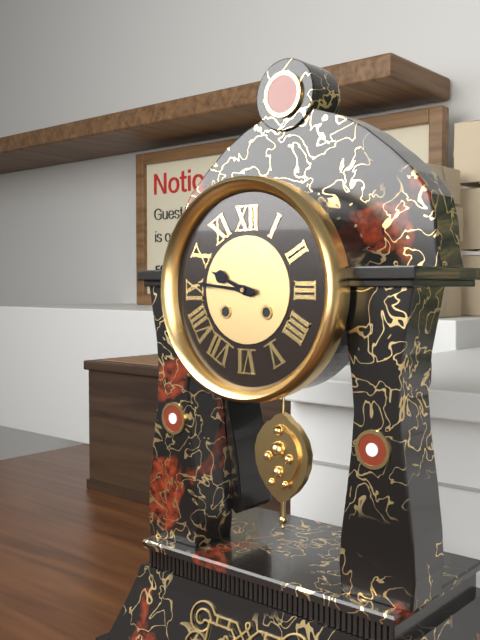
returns 9:46
